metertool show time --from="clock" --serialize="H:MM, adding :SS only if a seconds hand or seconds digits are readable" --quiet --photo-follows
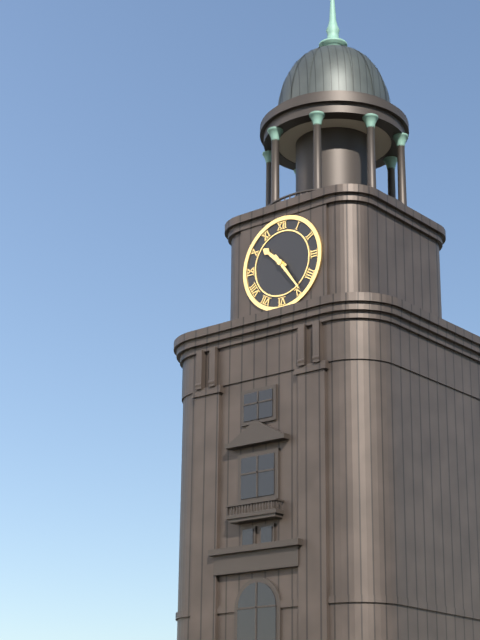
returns 10:24
